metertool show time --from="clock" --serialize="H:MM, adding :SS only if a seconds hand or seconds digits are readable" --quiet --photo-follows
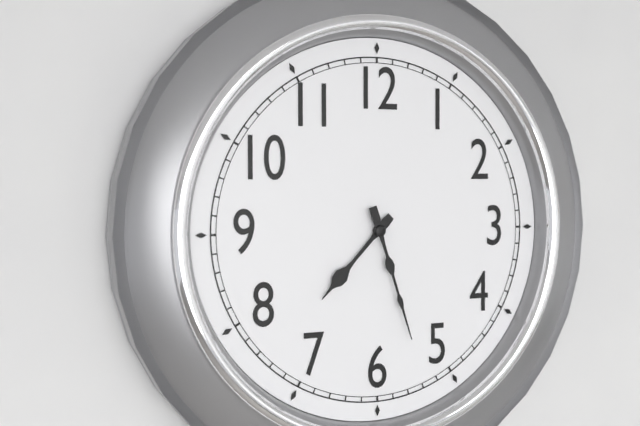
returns 7:27
